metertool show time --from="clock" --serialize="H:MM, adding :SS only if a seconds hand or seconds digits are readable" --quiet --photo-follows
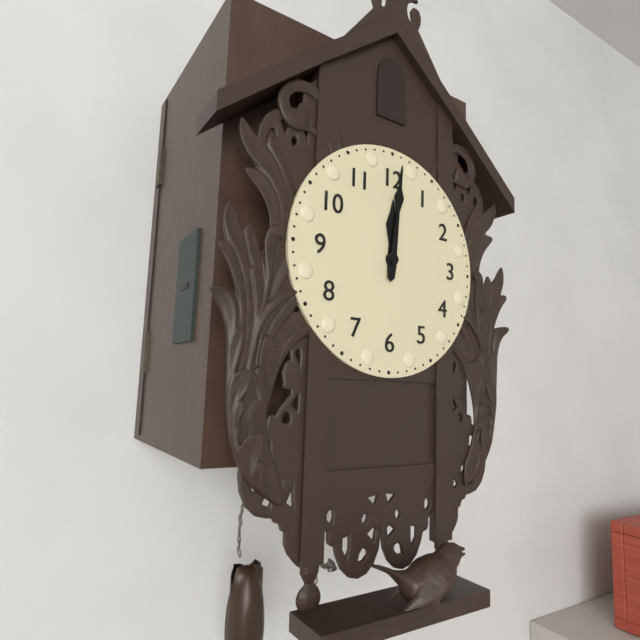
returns 12:01
